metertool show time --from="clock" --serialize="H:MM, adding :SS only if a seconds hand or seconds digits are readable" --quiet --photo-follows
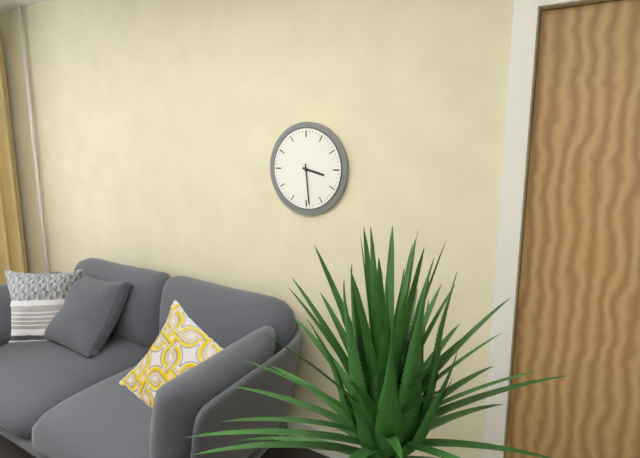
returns 3:29
